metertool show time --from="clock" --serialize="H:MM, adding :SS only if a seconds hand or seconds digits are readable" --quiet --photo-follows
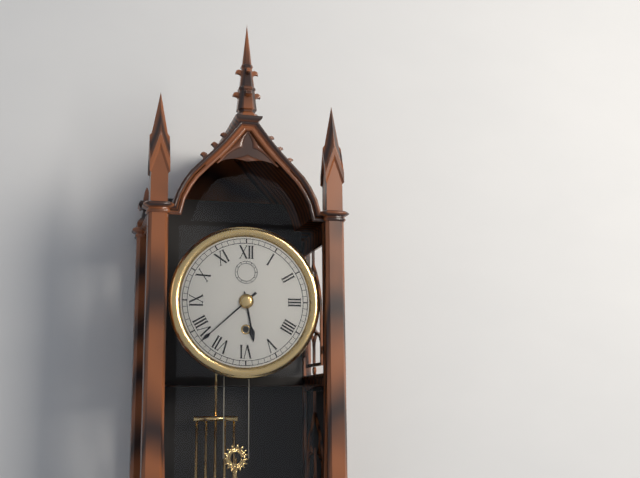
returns 5:38
